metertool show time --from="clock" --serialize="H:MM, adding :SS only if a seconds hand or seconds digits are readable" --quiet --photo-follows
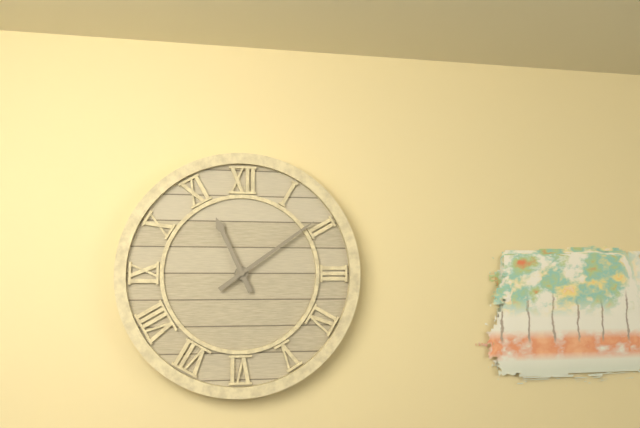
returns 11:09
